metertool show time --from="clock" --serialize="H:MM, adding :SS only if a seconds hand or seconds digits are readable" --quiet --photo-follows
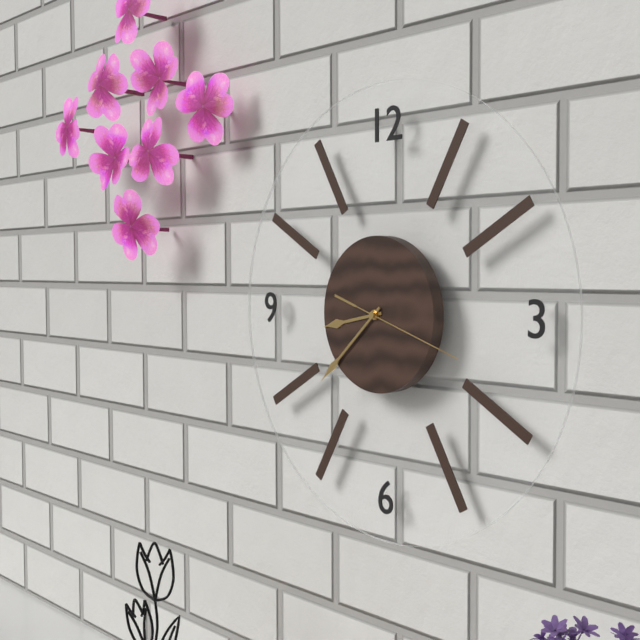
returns 8:38:18
